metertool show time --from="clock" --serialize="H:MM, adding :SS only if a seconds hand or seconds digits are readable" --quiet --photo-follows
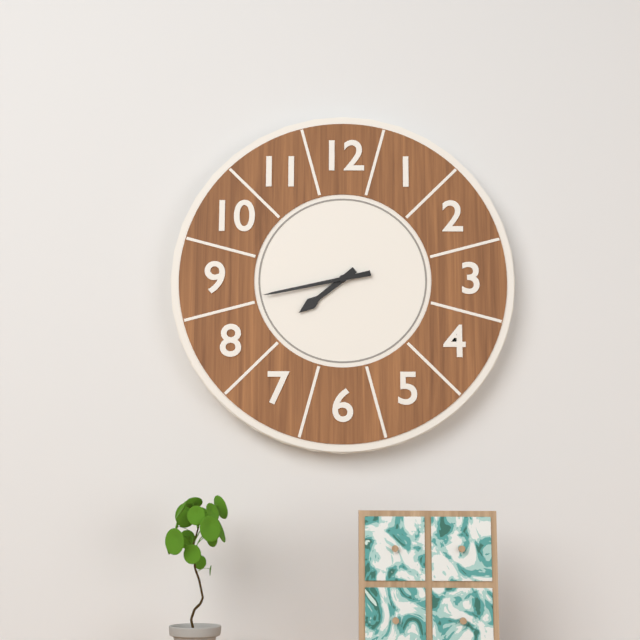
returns 7:43
